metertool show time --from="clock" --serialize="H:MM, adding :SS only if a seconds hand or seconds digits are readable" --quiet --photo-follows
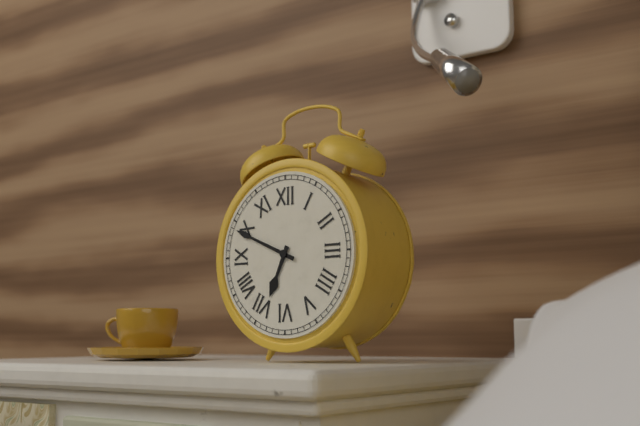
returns 6:49
